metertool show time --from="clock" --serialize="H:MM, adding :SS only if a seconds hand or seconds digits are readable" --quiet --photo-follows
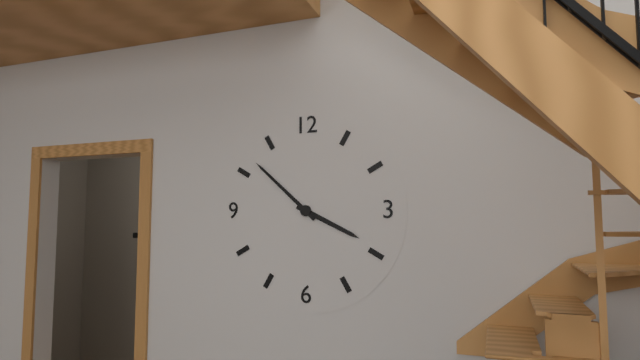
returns 3:52
